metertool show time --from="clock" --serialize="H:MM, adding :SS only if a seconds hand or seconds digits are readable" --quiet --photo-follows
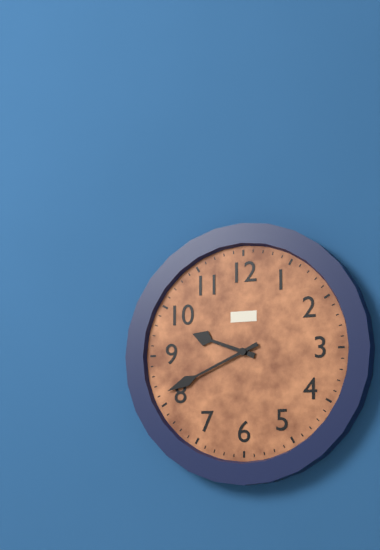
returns 9:41
